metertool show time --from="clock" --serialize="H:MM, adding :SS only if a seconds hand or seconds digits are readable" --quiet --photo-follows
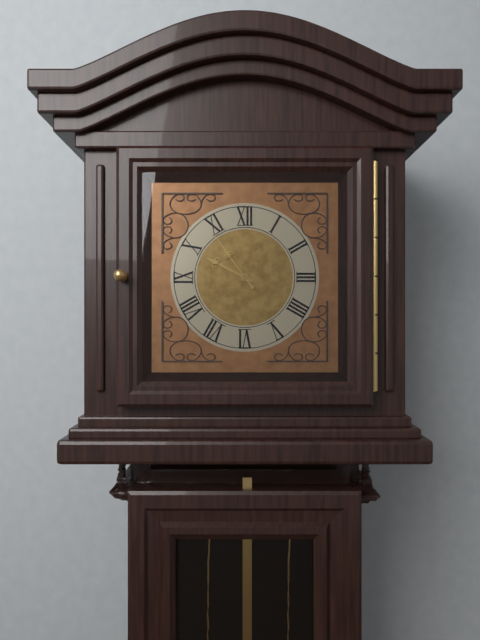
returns 9:54
